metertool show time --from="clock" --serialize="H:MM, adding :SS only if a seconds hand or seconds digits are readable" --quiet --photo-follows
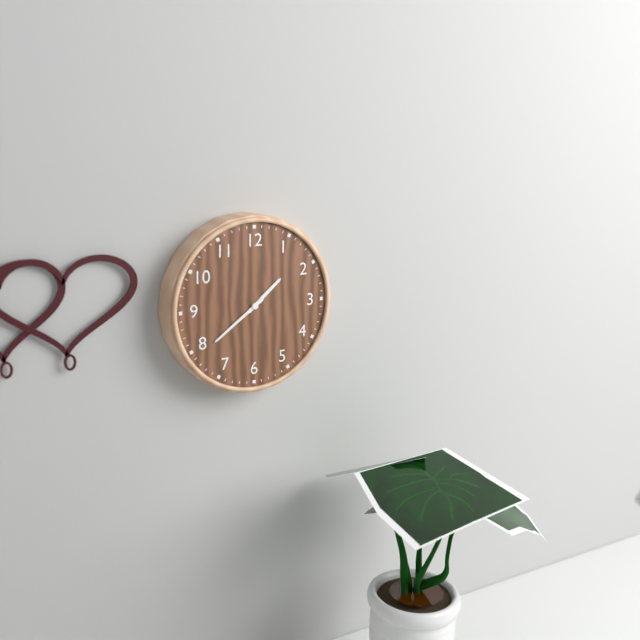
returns 1:39
